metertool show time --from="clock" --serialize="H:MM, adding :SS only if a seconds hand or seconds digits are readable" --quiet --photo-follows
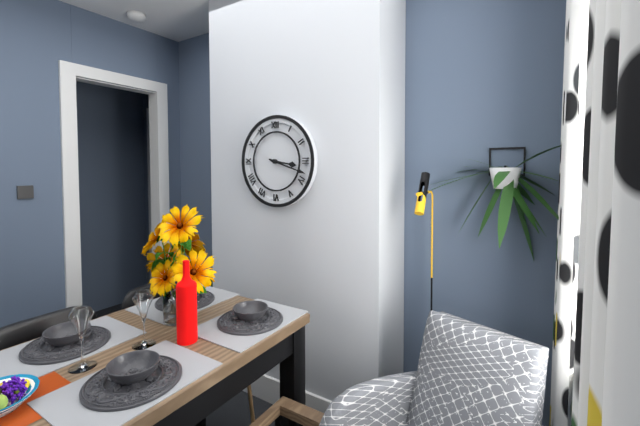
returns 3:18
